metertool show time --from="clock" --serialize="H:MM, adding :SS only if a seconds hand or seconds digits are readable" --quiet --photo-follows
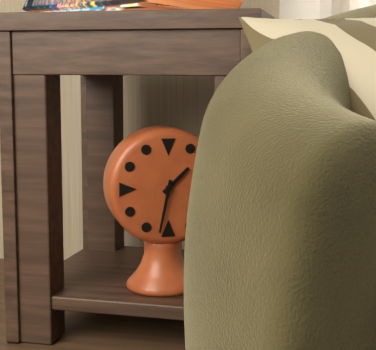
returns 1:32
